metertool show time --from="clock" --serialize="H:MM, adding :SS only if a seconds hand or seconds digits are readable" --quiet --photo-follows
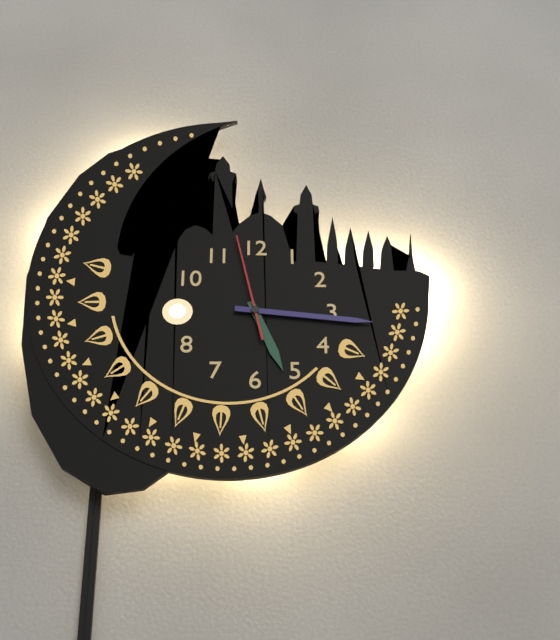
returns 5:16:58
